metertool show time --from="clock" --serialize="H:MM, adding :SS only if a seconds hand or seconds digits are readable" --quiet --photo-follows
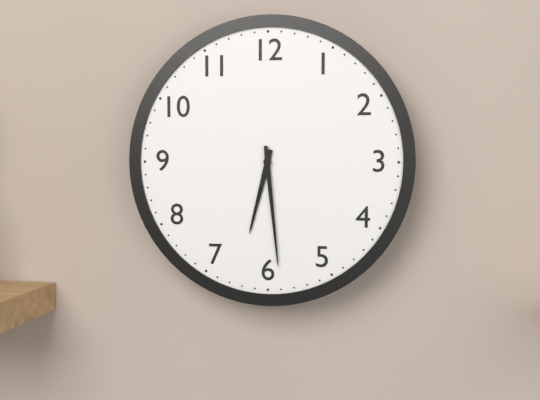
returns 6:29
